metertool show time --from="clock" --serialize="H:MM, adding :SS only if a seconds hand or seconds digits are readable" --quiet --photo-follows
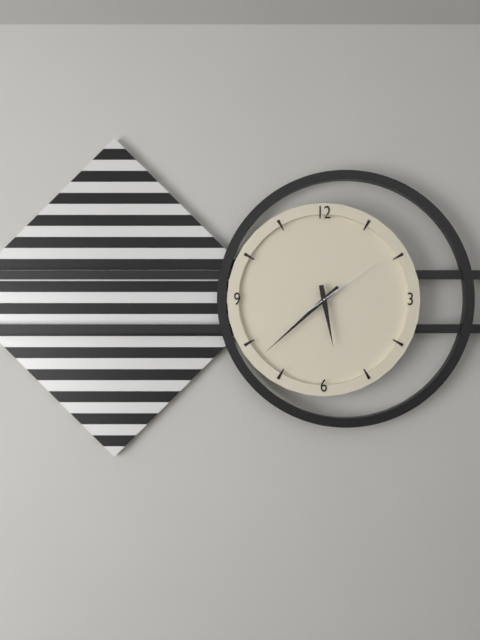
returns 5:38:09
